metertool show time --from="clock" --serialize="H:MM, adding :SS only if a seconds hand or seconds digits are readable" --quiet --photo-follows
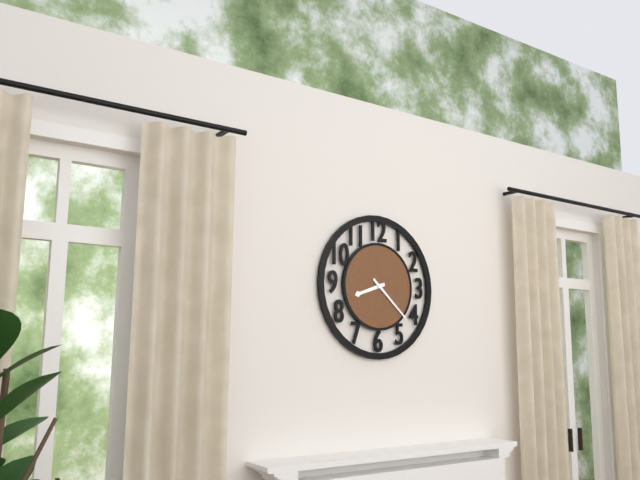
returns 8:22
